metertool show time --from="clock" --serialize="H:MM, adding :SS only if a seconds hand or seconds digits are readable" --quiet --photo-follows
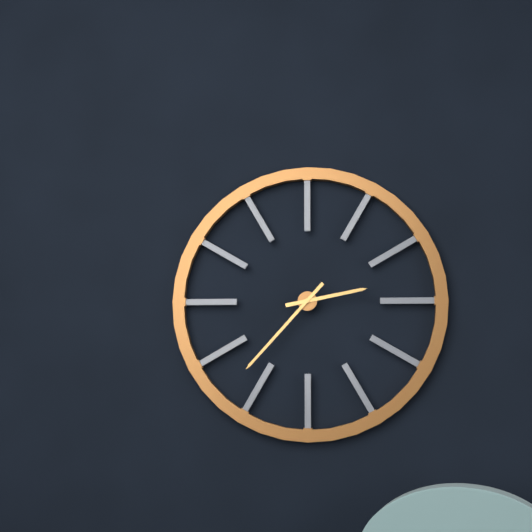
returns 2:37
